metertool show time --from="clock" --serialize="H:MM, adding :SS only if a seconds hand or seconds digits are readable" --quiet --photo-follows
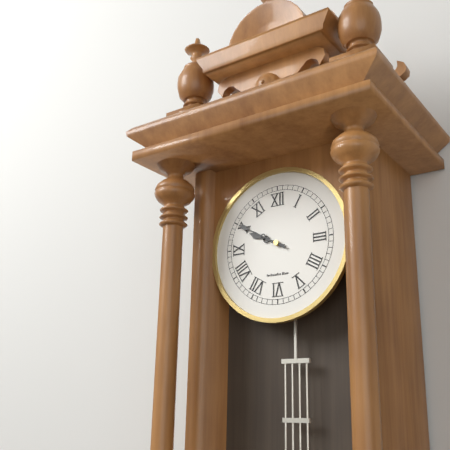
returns 9:50
